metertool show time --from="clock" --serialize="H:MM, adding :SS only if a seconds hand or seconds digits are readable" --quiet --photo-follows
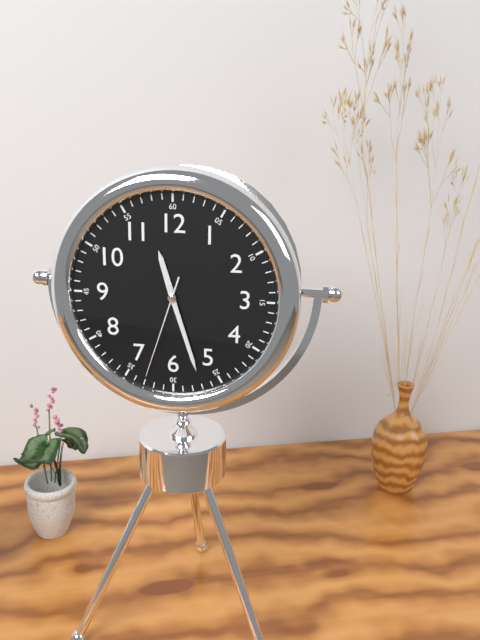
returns 11:27:33
